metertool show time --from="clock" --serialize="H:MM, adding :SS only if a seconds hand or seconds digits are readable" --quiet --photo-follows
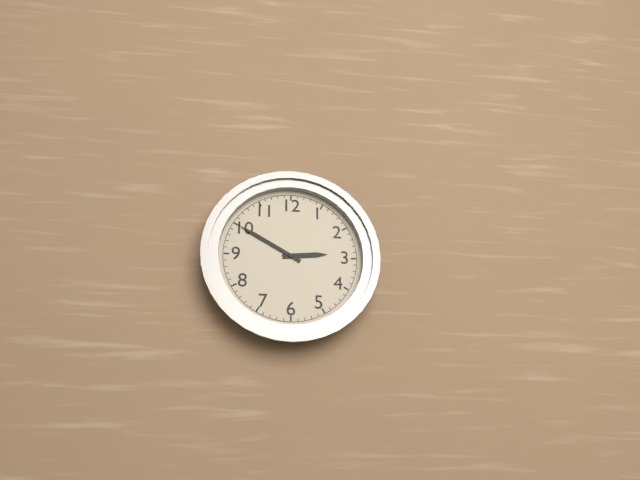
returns 2:50
